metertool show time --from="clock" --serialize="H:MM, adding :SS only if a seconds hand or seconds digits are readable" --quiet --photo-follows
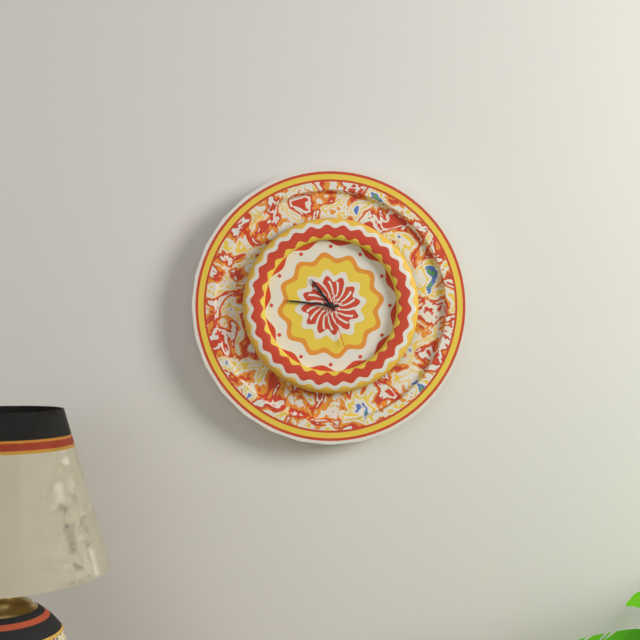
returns 10:46:27
